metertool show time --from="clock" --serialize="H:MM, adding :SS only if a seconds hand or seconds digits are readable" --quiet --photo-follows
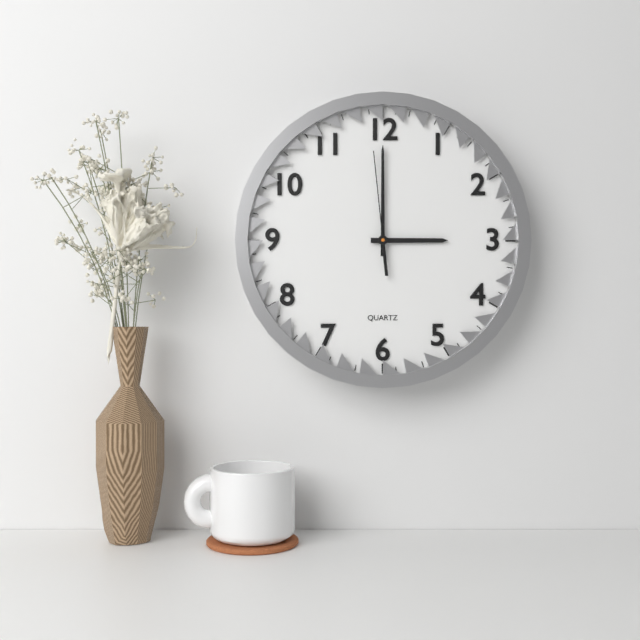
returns 3:00:59
